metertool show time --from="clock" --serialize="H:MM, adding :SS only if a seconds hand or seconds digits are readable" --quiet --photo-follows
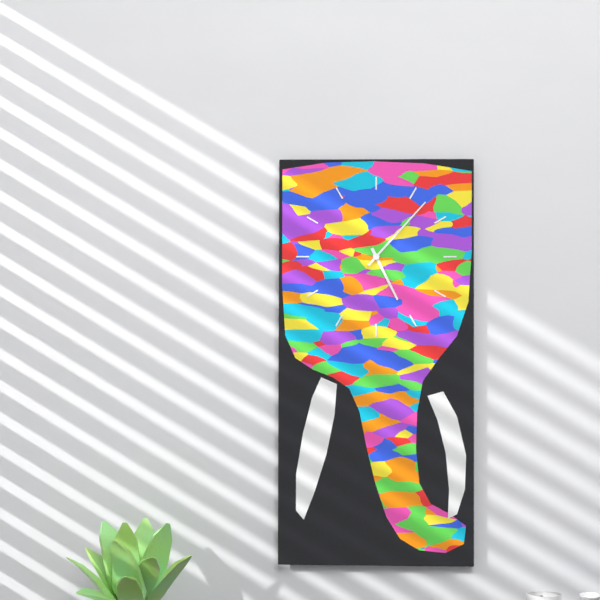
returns 5:07
